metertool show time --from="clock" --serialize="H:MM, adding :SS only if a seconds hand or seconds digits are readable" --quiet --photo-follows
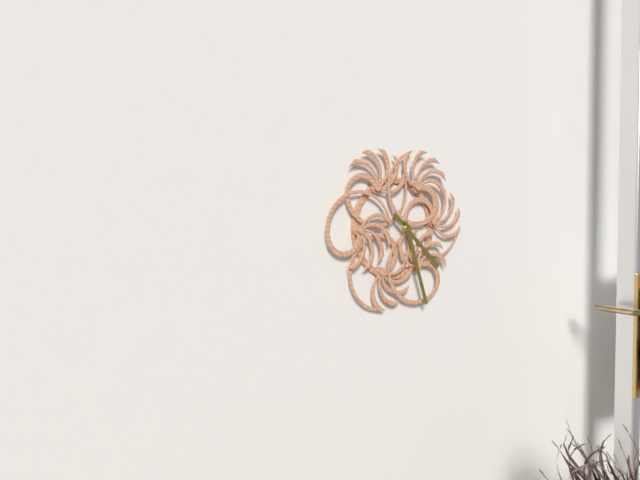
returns 4:27
